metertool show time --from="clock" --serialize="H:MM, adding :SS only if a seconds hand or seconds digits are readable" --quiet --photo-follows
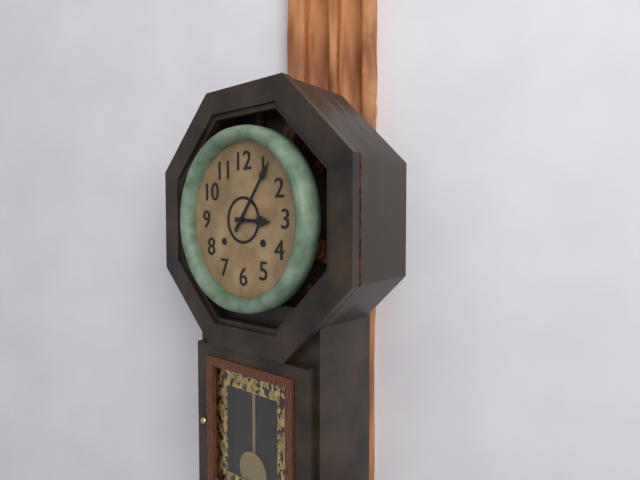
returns 3:06
